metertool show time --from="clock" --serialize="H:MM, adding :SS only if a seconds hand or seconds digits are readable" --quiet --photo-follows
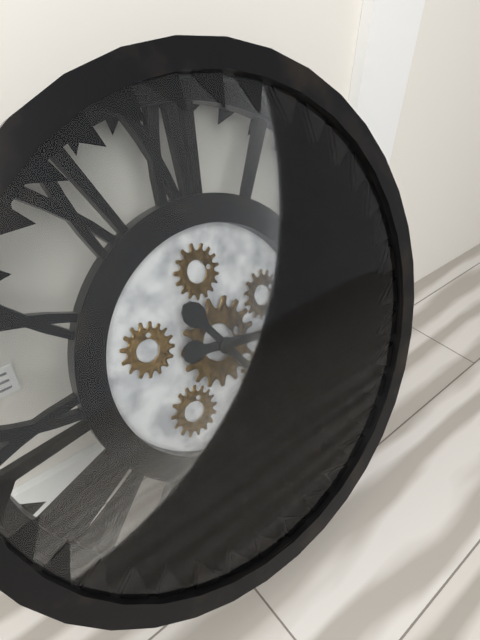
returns 3:25
